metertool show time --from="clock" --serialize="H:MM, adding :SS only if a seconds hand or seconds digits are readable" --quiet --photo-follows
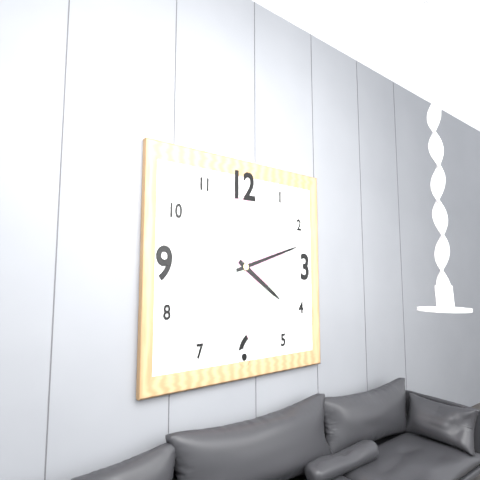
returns 4:12
